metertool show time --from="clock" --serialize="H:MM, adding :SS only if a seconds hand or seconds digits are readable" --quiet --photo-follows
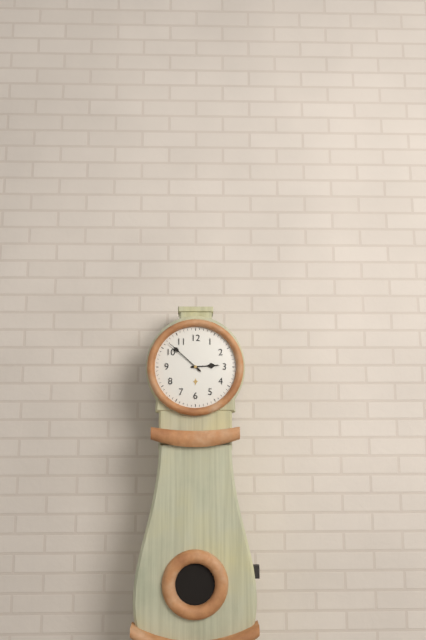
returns 2:52
